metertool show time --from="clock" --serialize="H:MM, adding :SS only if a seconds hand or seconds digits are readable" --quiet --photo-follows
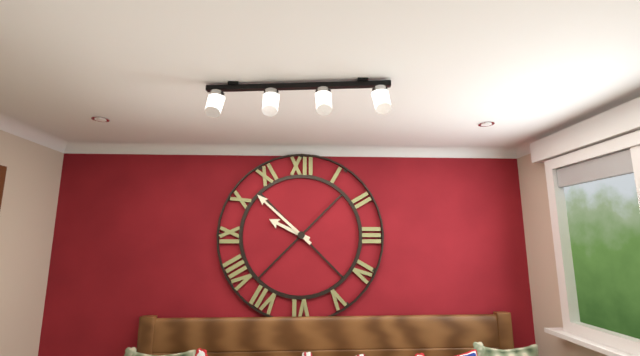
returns 9:52
